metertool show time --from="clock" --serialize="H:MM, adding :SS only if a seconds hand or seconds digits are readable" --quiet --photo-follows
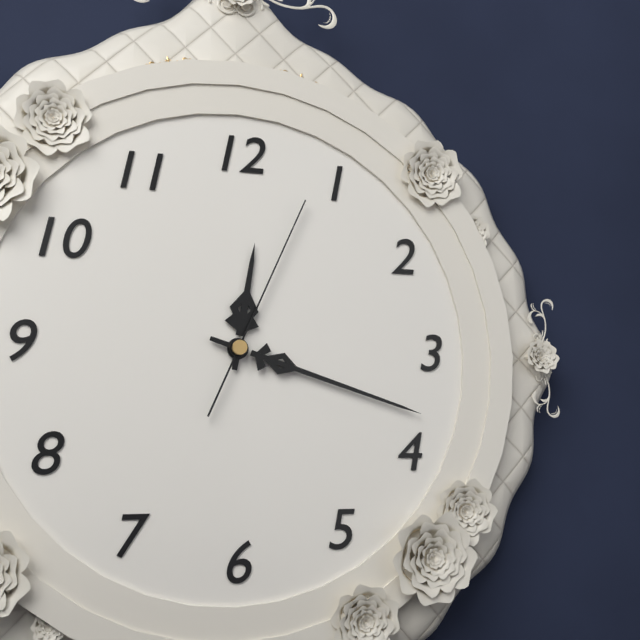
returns 12:18:04
